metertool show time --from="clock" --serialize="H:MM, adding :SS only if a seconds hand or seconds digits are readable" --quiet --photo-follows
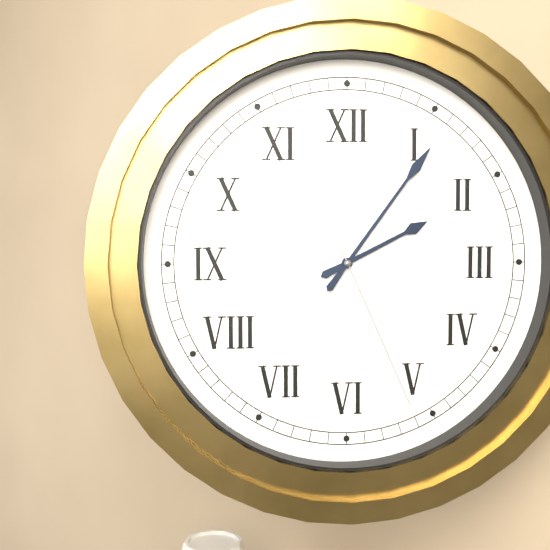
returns 2:06:26
